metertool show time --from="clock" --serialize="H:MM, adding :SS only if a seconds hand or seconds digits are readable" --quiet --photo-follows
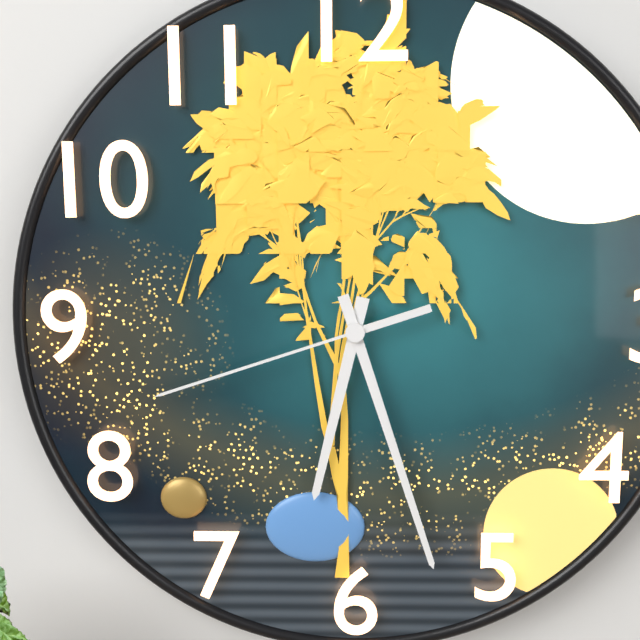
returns 6:27:42
